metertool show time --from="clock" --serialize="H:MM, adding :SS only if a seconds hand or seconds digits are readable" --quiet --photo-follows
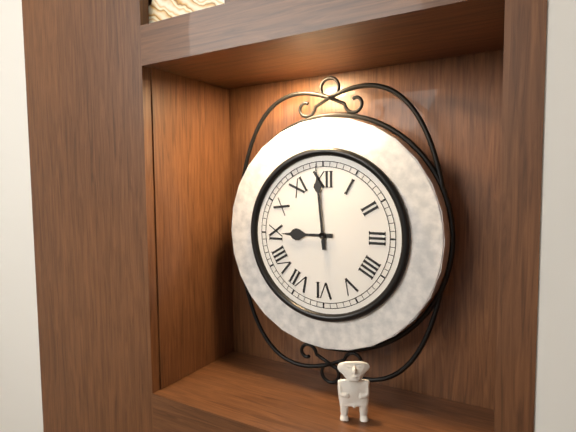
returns 8:59
